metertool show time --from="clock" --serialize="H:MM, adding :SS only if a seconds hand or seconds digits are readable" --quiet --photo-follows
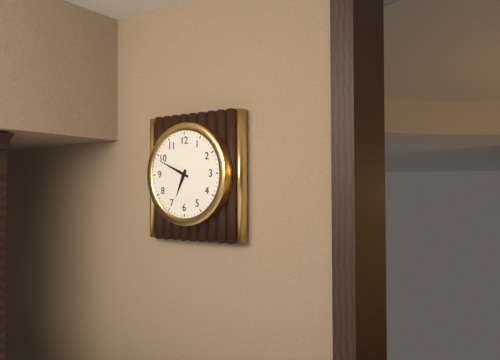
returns 6:49
